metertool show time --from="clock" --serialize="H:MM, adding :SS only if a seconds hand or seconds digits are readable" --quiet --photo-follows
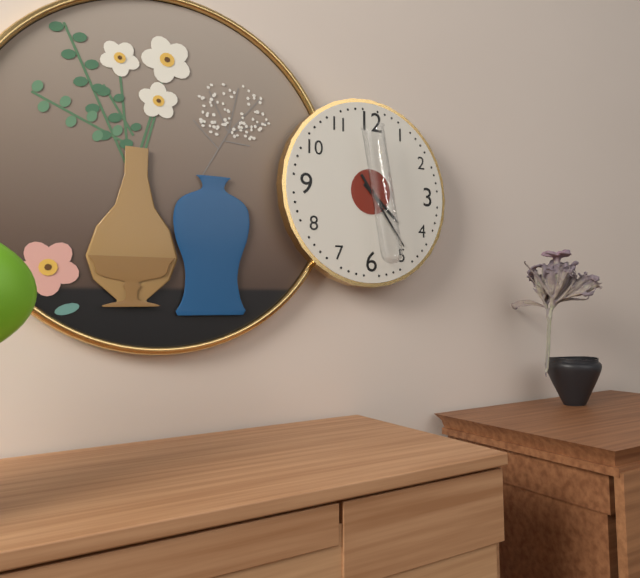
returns 4:24
